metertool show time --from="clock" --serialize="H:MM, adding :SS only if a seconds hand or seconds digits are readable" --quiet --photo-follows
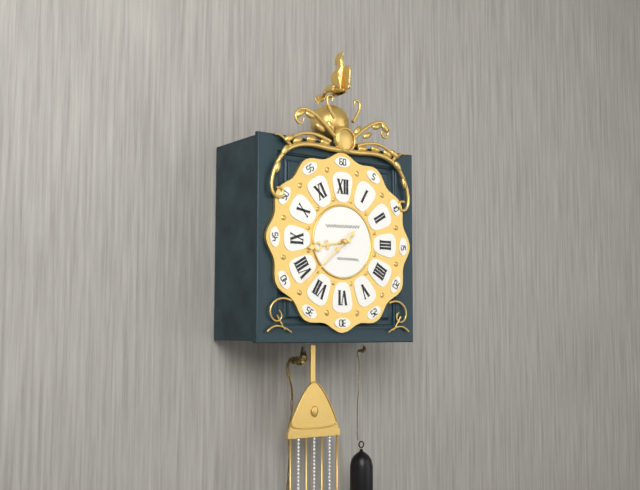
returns 8:38
